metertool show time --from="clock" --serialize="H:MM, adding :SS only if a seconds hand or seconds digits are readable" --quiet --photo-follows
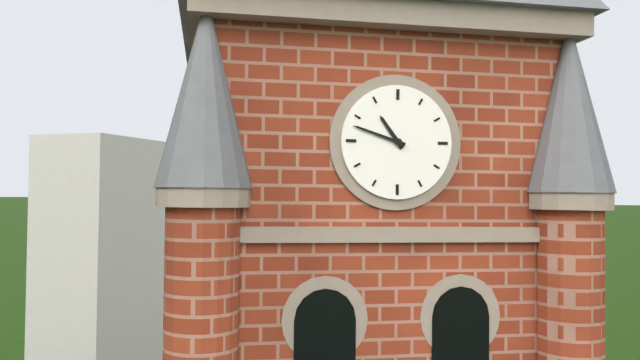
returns 10:48
